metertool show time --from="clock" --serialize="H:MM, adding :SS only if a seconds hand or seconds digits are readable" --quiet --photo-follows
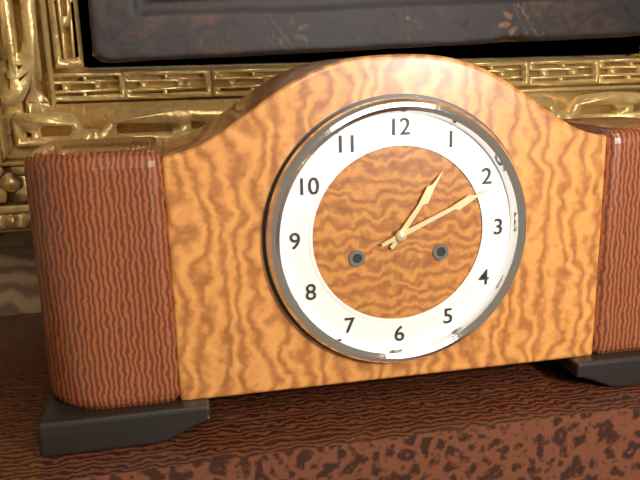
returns 1:11
